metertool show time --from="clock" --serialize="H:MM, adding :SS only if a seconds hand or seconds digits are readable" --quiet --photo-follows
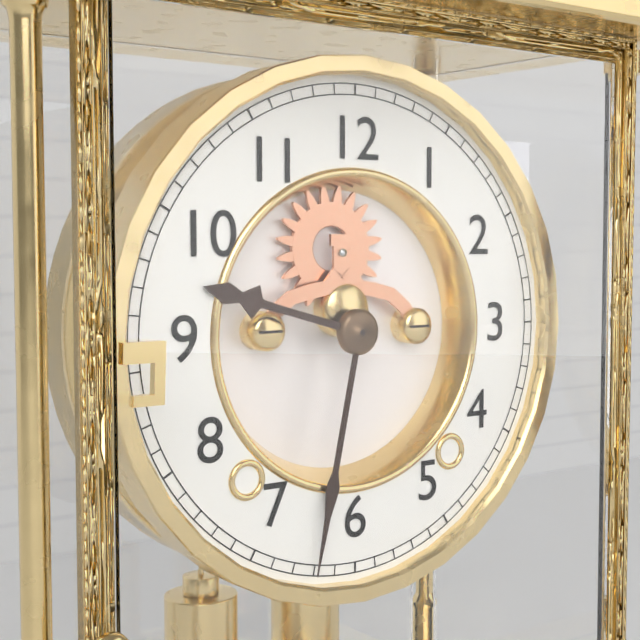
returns 9:32
